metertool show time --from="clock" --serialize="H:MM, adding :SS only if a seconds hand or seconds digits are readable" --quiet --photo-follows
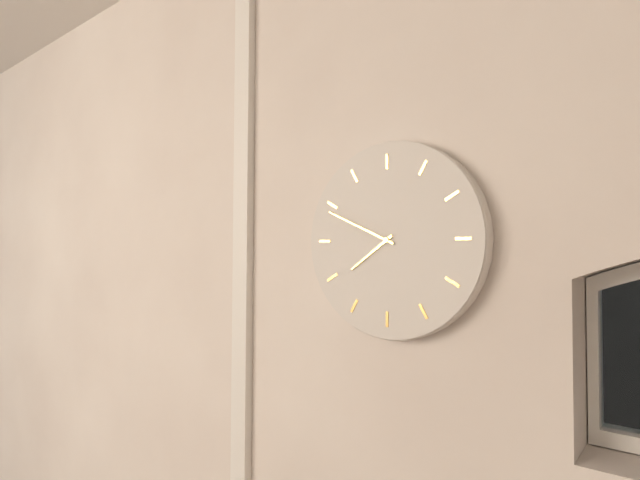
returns 7:49
